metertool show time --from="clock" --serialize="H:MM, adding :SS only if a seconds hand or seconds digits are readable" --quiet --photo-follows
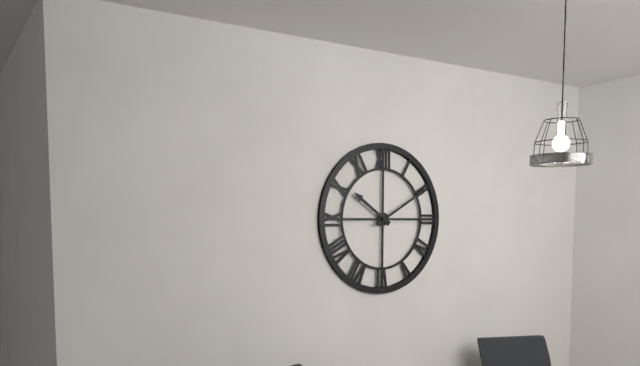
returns 10:10
